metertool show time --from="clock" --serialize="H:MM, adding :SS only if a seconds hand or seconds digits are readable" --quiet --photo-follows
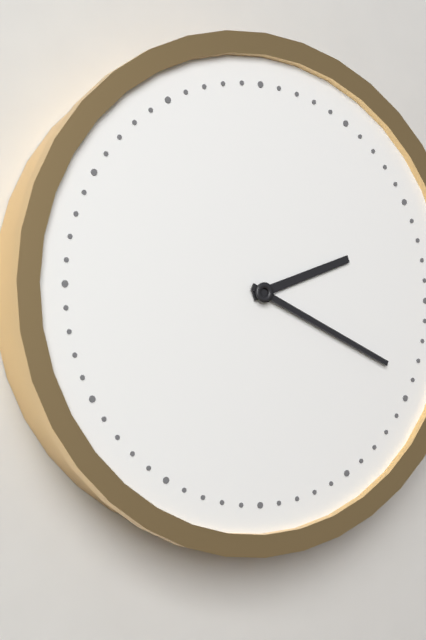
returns 2:19
